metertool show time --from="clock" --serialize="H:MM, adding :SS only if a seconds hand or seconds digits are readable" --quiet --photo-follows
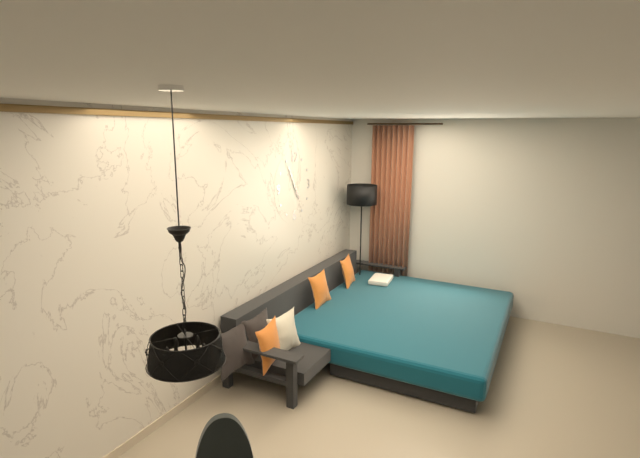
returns 4:55
